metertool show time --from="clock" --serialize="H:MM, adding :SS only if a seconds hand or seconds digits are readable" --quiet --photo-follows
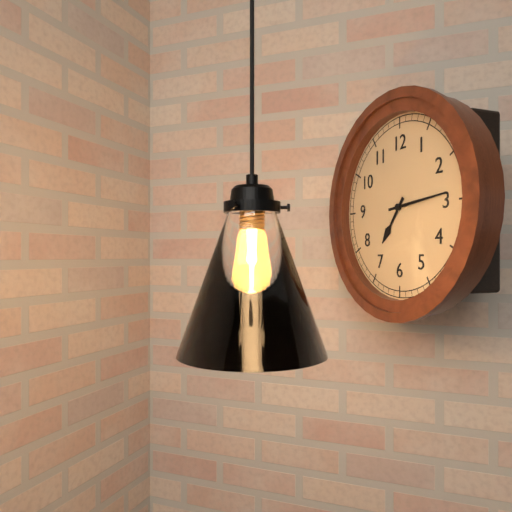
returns 7:14
